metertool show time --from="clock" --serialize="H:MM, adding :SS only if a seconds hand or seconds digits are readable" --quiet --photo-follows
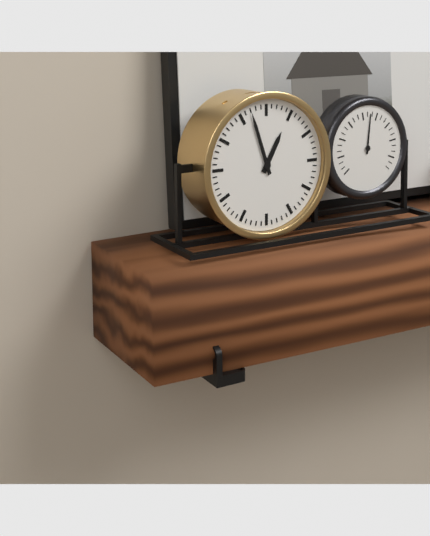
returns 12:57
